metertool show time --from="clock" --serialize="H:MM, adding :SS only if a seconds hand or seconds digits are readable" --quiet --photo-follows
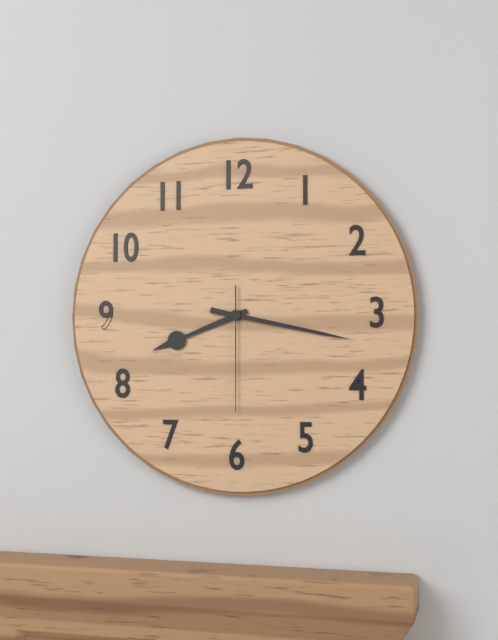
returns 8:17:30
